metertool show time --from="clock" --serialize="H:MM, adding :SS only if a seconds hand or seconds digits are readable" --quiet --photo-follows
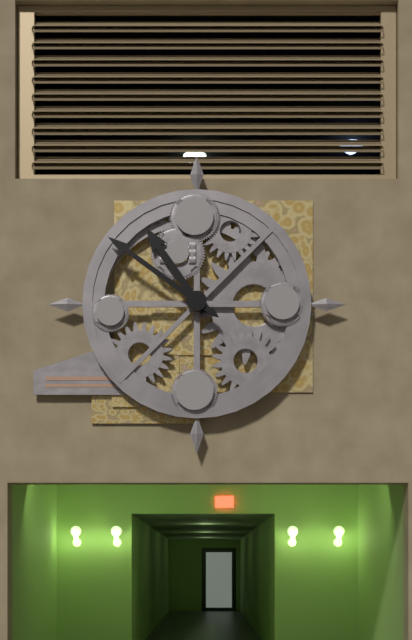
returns 10:51
